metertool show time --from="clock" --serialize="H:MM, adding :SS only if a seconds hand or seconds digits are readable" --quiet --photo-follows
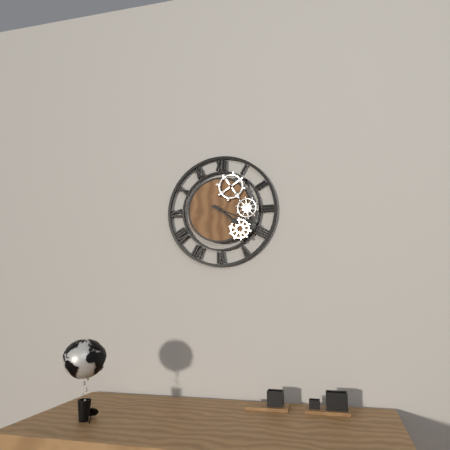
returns 4:19
